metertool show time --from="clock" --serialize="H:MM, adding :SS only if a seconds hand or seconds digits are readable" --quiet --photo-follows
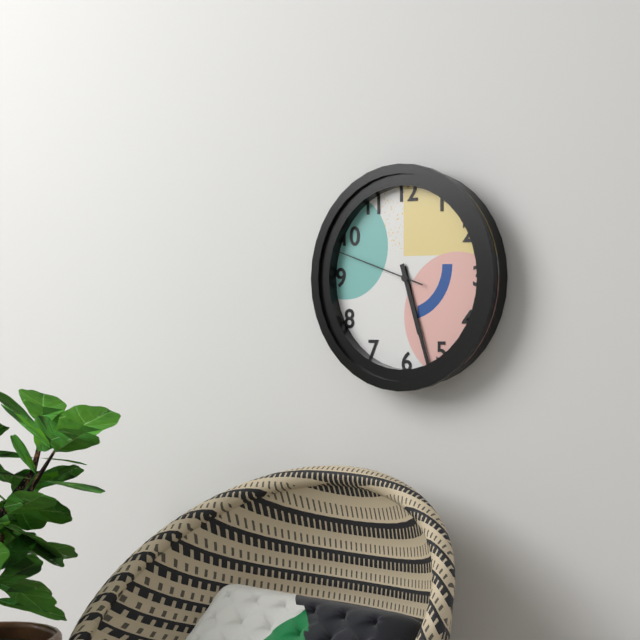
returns 5:27:48
